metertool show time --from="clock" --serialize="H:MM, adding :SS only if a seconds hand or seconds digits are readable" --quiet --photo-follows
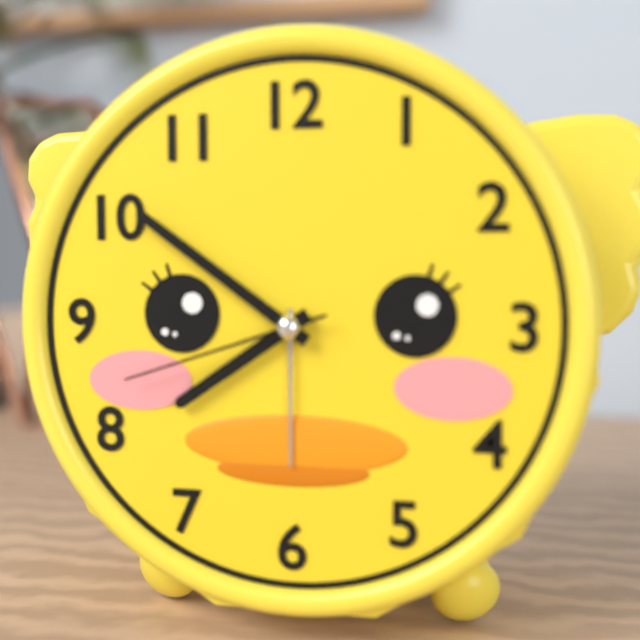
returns 7:51:42
